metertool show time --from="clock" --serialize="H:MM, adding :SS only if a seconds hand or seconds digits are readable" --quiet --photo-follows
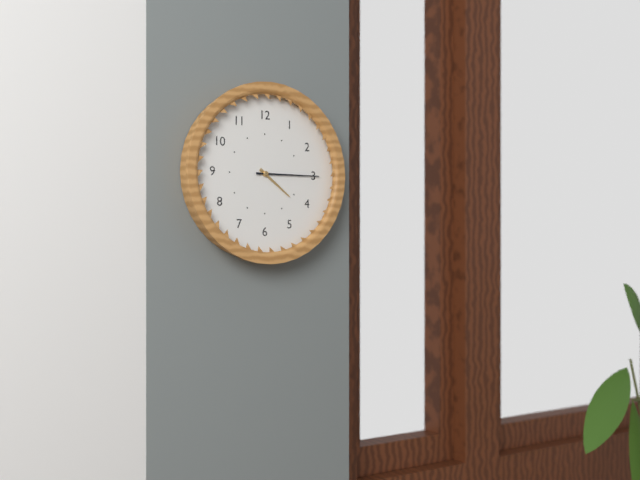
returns 4:15
